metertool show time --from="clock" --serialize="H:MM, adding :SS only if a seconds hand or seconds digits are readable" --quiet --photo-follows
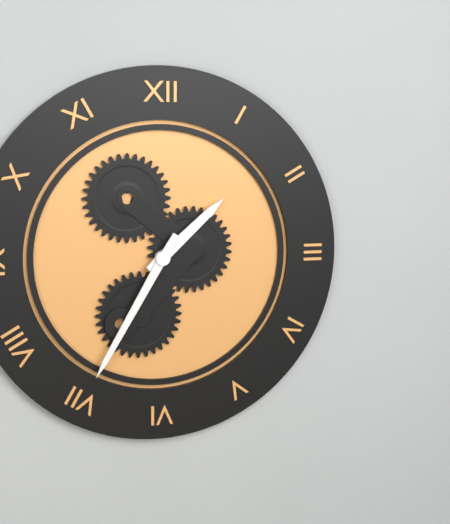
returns 1:35
